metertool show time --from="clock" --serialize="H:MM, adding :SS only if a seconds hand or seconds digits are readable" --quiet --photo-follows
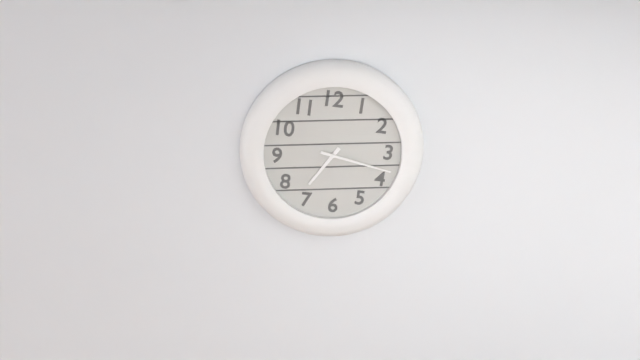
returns 7:18
